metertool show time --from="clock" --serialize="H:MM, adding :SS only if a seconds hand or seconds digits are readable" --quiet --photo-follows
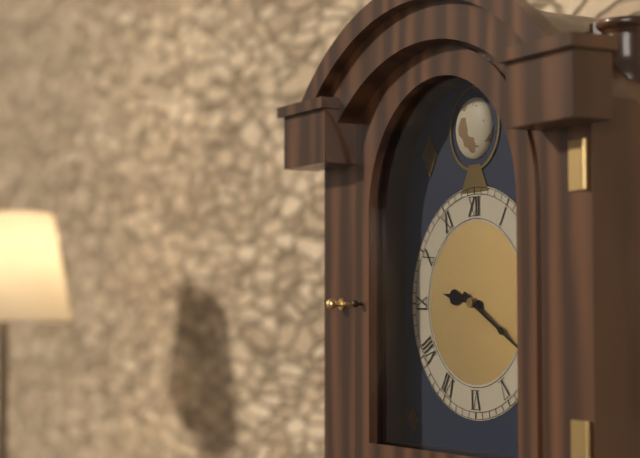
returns 9:20
